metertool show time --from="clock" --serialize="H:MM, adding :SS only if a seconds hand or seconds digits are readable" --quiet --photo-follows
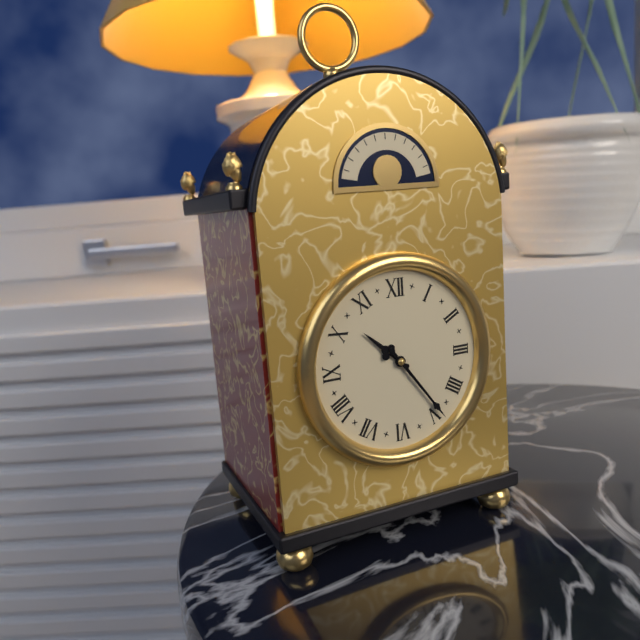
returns 10:24
